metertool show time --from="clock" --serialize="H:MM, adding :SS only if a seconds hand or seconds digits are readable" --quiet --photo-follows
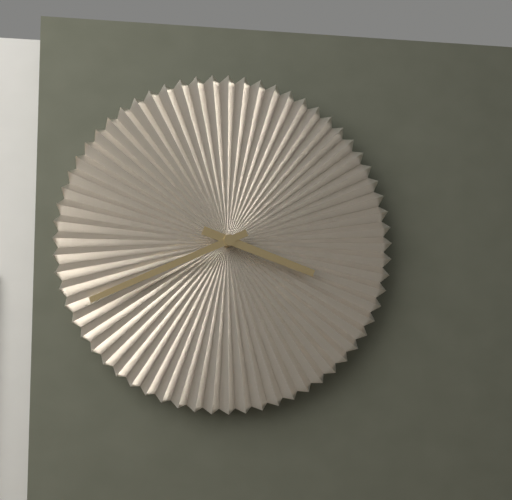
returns 3:41
